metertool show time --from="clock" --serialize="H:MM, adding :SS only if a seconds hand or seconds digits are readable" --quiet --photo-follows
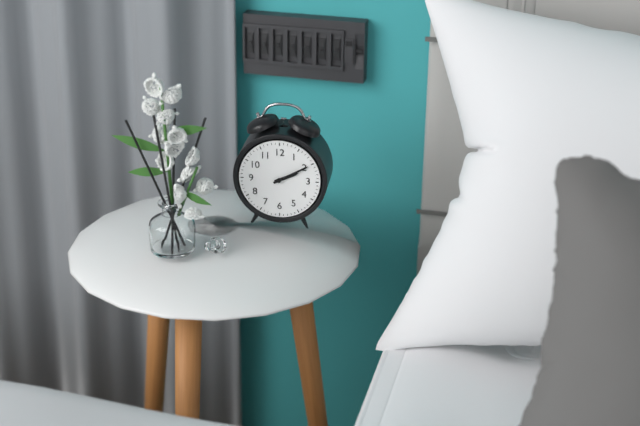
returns 2:10
